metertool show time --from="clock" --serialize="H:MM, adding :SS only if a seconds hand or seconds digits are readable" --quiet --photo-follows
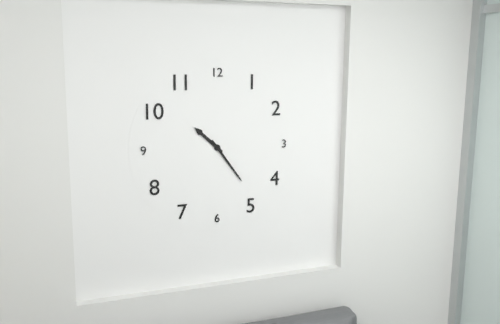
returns 10:24
